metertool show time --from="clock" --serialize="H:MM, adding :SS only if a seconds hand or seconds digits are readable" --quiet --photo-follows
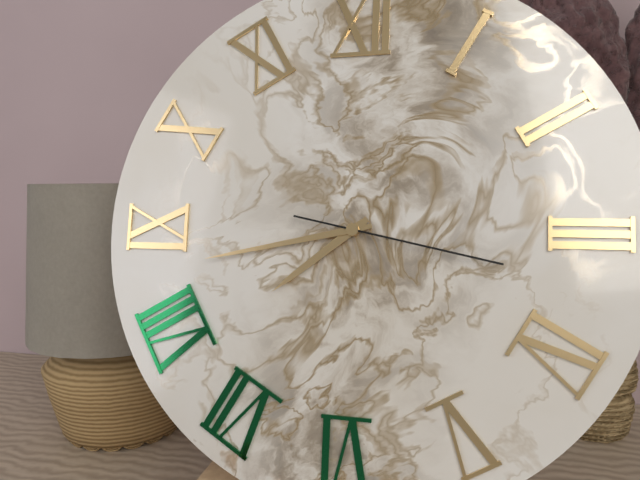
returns 7:43:17
